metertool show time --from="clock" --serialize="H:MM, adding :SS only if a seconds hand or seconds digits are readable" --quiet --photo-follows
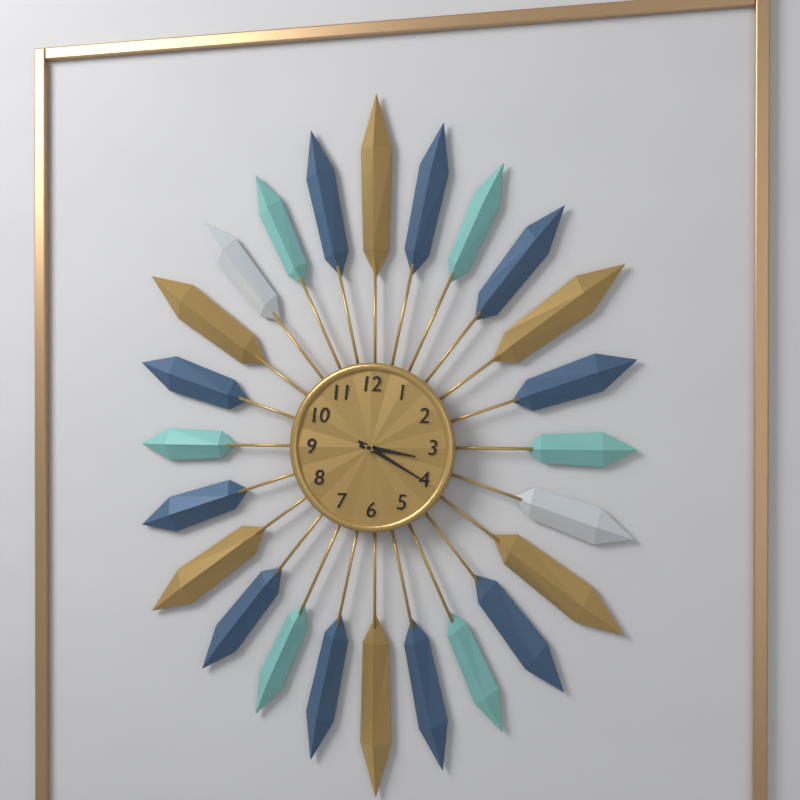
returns 3:20
